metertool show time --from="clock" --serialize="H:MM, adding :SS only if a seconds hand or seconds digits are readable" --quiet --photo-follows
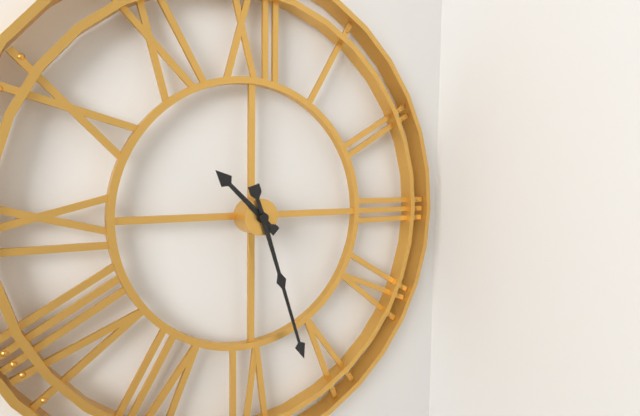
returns 10:27
